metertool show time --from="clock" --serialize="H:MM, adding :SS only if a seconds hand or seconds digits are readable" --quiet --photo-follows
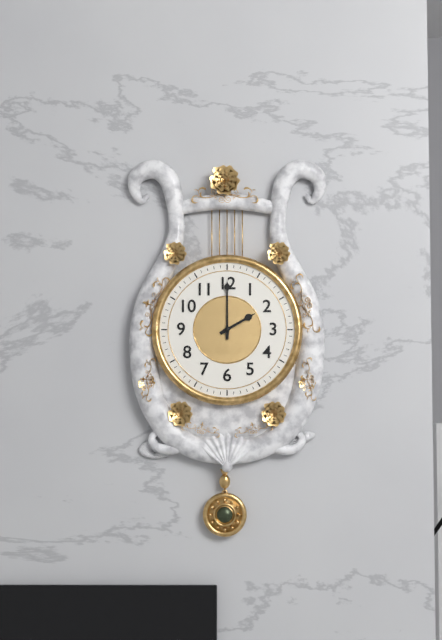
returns 2:00
